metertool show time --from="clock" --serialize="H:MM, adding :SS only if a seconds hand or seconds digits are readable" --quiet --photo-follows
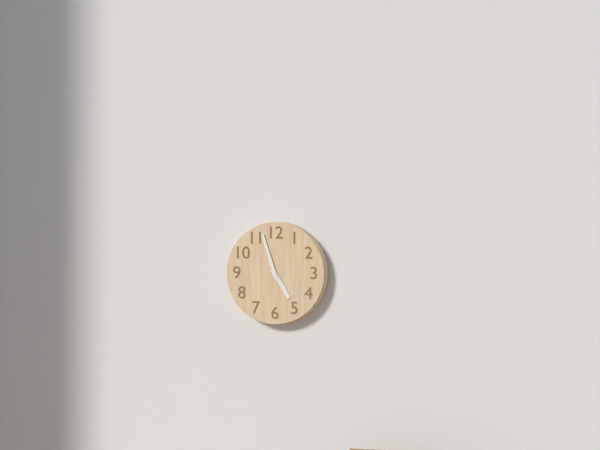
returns 4:57
